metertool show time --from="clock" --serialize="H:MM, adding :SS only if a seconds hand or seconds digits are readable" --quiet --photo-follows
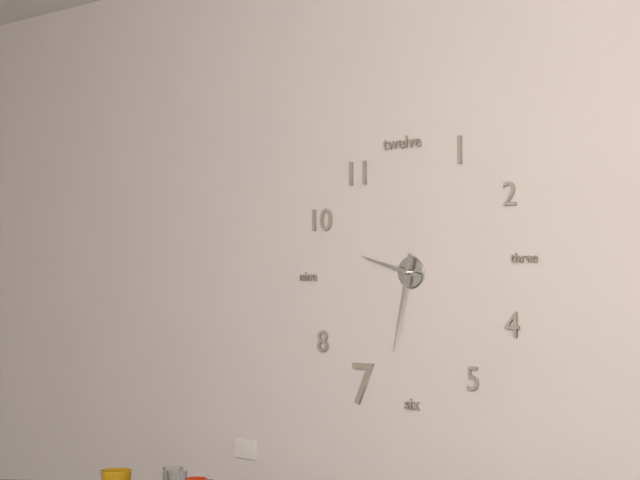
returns 9:32
